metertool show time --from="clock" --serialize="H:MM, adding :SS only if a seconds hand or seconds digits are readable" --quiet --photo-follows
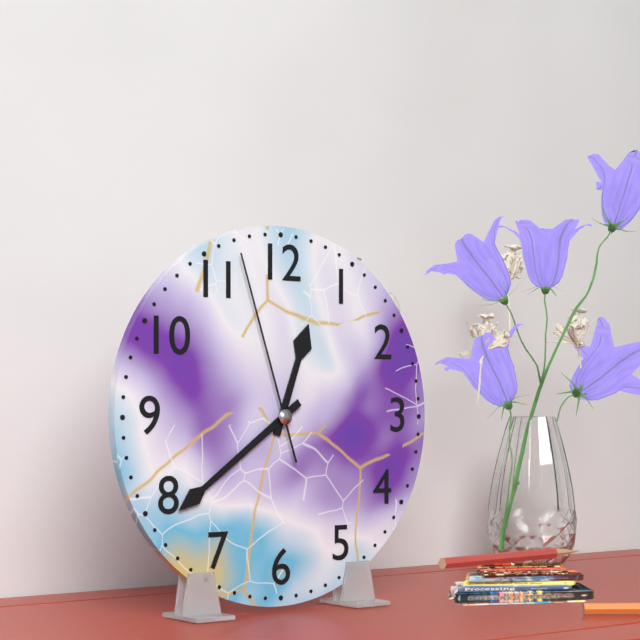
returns 12:39:57
